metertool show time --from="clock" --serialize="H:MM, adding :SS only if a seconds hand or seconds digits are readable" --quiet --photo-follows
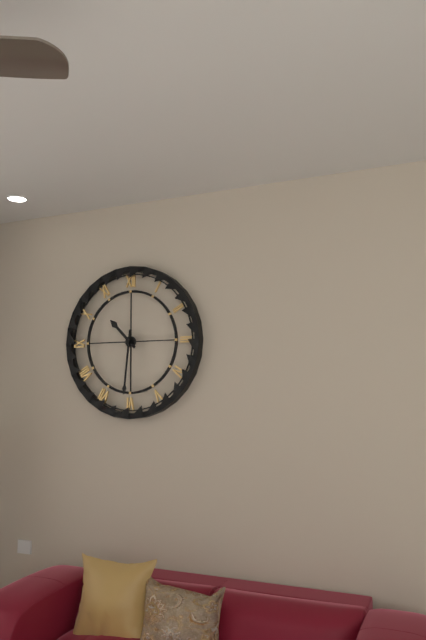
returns 10:31
